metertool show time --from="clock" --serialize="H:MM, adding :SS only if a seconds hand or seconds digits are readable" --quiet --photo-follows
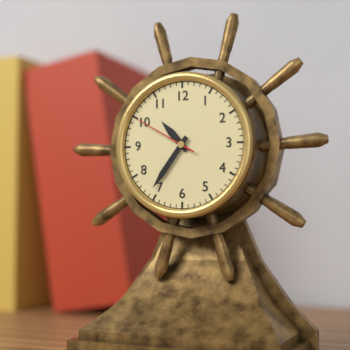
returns 10:36:50
